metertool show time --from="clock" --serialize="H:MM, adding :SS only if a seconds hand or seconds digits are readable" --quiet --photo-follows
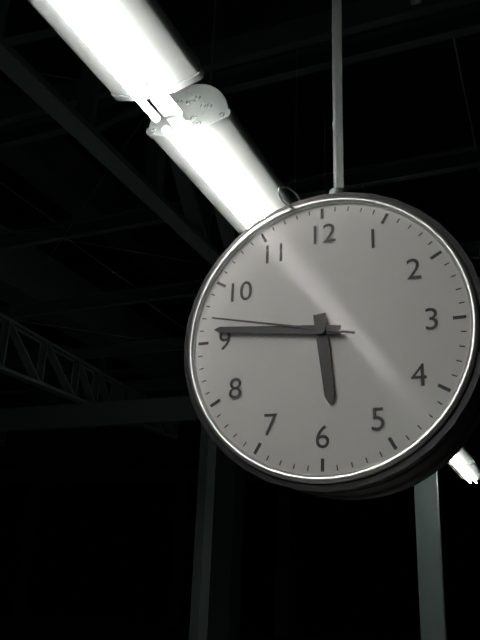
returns 5:46:47
